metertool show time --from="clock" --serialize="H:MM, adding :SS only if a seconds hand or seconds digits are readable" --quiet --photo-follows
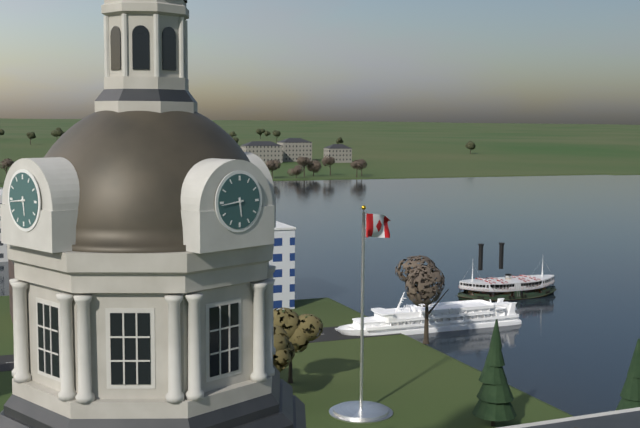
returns 5:44
